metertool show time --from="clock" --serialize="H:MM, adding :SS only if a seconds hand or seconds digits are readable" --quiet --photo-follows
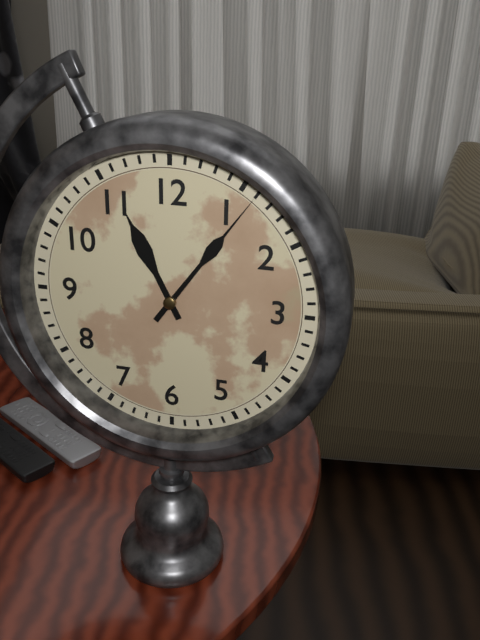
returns 11:06
